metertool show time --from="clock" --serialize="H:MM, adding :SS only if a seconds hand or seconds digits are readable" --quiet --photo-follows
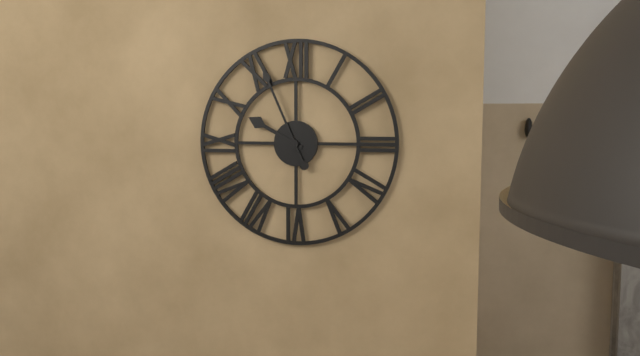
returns 9:56
